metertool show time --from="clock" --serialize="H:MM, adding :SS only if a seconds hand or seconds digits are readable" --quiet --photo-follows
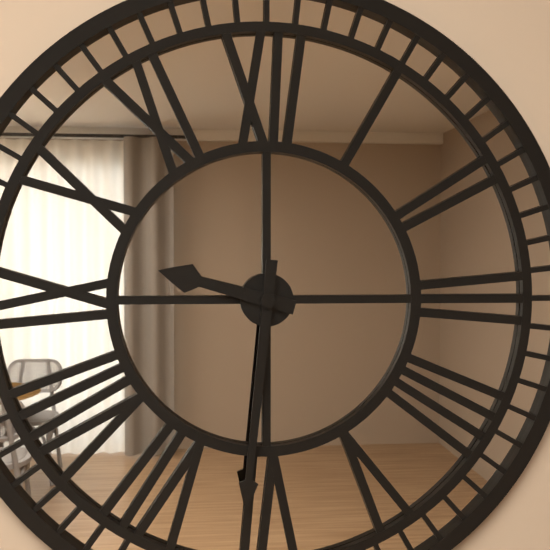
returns 9:31
